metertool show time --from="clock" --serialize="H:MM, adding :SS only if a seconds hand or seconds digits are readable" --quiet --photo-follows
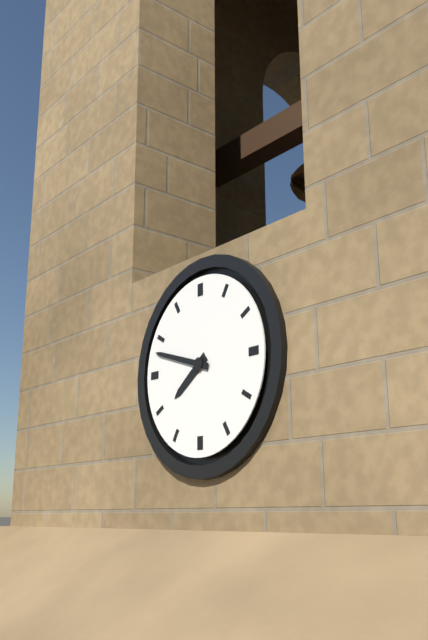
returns 7:48
